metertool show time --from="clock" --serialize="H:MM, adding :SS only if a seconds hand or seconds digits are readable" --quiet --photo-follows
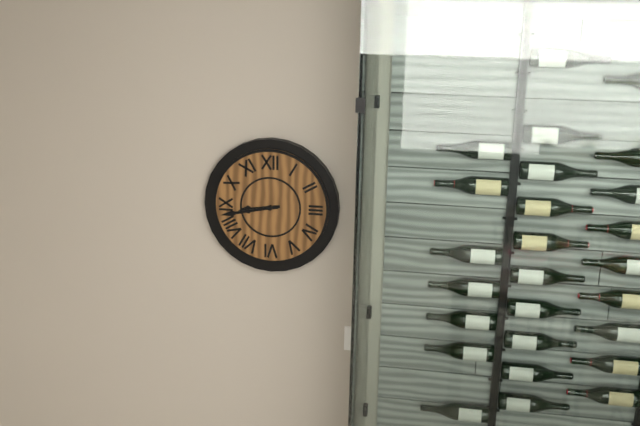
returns 8:43
